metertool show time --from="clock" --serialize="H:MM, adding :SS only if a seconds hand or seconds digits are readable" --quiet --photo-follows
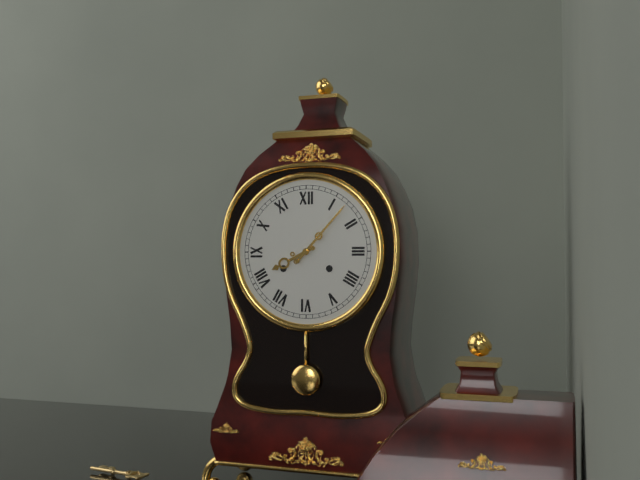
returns 8:07
